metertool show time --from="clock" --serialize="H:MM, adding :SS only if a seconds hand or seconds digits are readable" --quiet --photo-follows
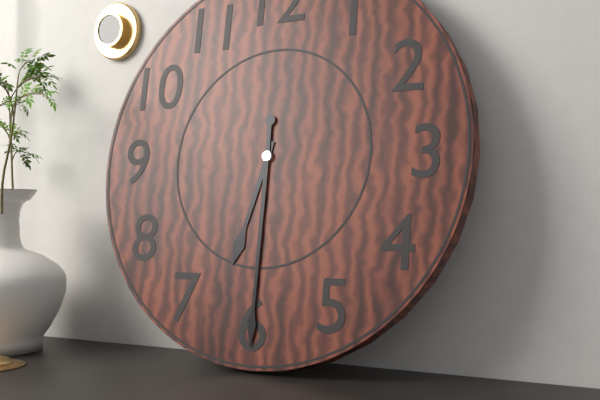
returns 6:30
